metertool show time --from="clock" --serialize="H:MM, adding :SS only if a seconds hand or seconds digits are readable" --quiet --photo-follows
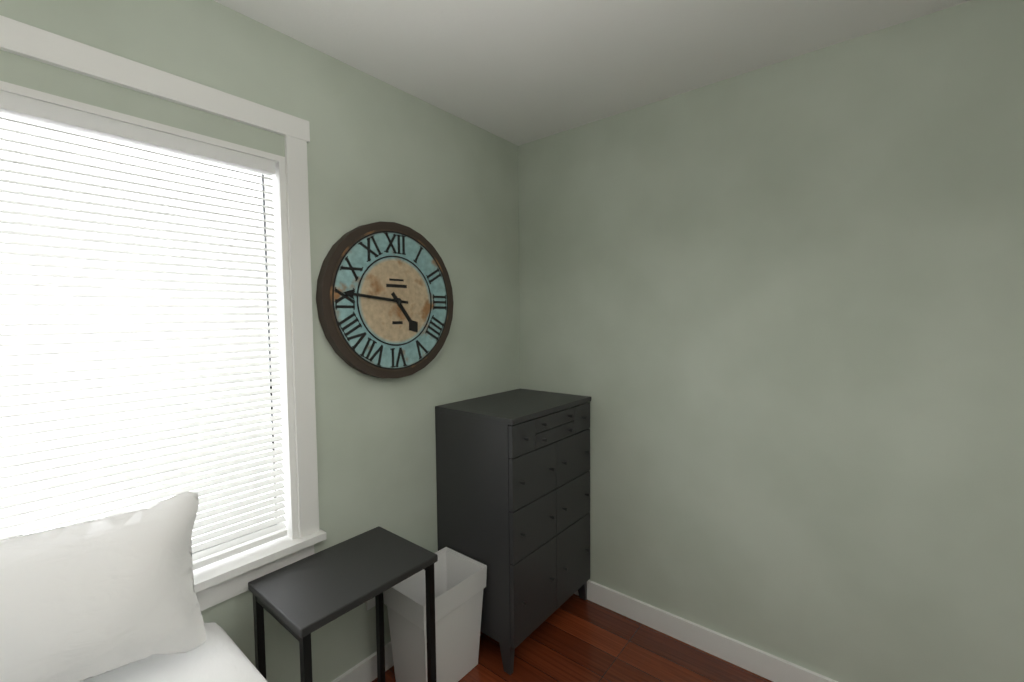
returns 4:46
